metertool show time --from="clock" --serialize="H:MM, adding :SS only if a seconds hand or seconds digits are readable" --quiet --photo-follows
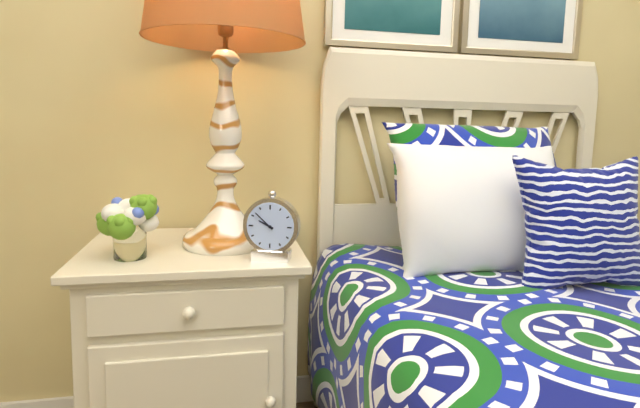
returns 9:52
